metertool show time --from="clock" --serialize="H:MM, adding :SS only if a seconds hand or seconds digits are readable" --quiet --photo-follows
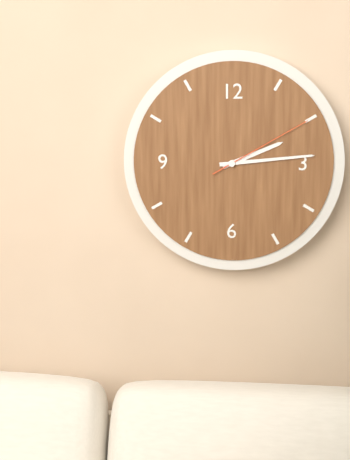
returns 2:14:10
